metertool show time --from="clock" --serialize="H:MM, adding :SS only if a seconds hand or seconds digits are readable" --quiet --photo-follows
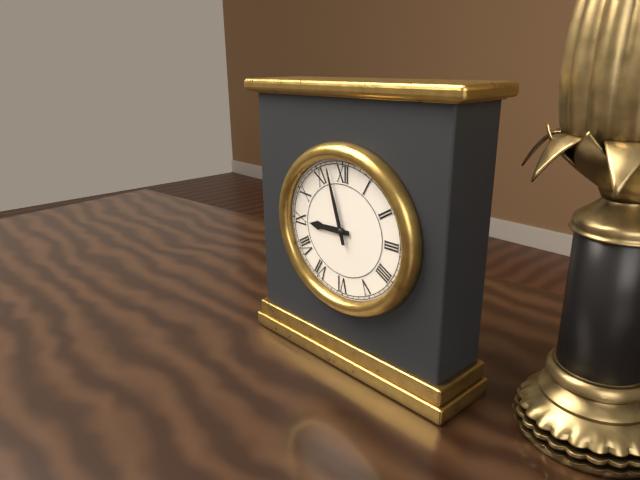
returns 8:57
